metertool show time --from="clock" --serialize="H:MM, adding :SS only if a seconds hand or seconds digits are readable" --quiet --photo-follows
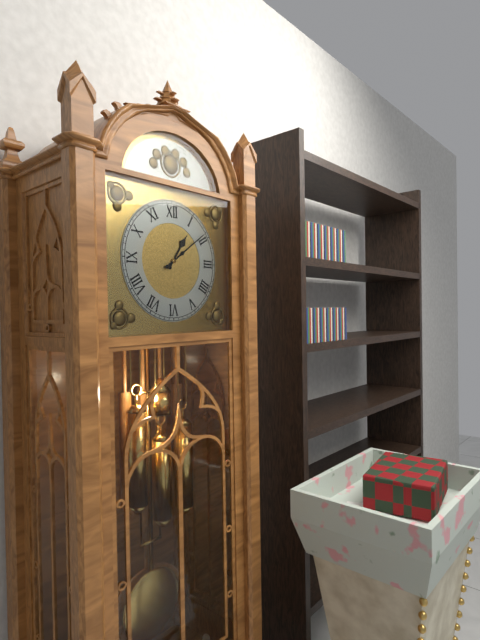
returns 1:09
